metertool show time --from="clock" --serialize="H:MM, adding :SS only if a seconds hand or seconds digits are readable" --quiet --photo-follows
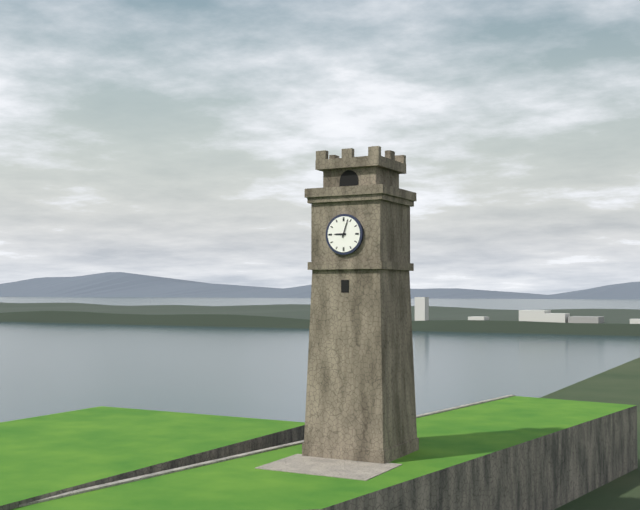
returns 9:03
